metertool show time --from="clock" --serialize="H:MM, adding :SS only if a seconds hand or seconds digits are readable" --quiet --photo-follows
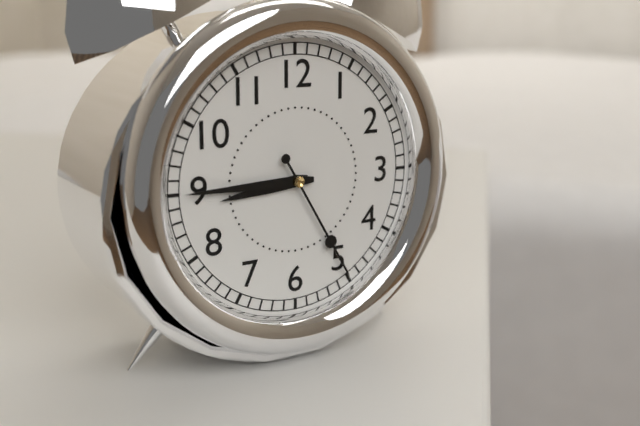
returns 8:45:25
